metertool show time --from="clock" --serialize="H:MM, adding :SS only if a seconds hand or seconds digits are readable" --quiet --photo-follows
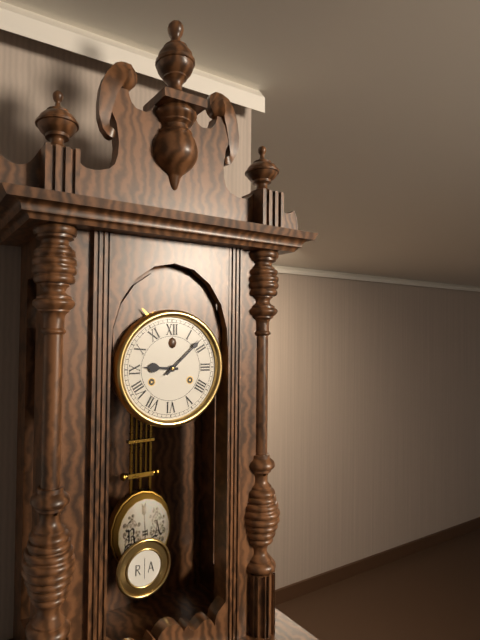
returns 9:08
